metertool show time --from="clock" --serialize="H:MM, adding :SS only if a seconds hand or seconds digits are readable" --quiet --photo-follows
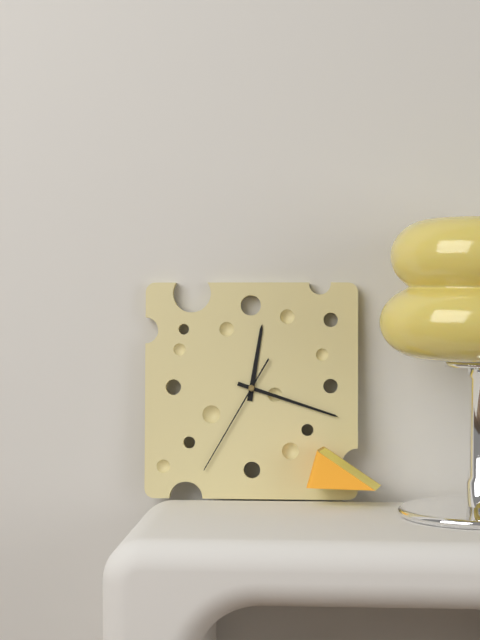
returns 12:18:35
